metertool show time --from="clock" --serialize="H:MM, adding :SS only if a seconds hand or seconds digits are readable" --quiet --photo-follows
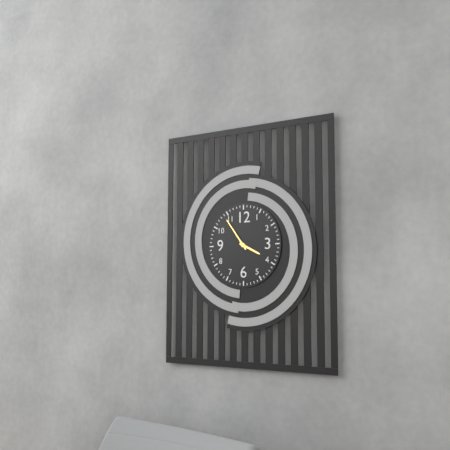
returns 3:54
